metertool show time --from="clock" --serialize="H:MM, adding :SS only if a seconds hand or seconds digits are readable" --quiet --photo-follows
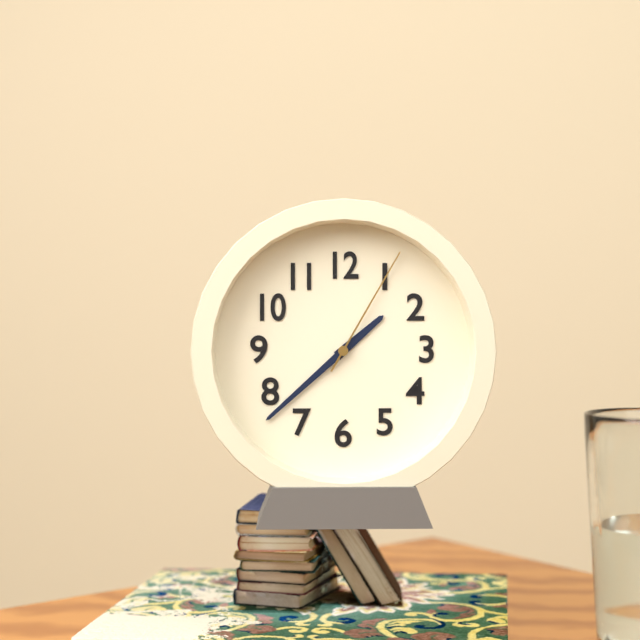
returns 1:38:05
